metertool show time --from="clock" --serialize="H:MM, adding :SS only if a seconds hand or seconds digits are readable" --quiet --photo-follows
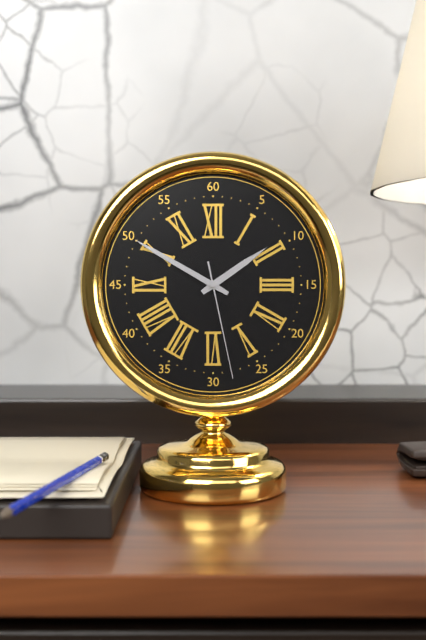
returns 1:50:28
